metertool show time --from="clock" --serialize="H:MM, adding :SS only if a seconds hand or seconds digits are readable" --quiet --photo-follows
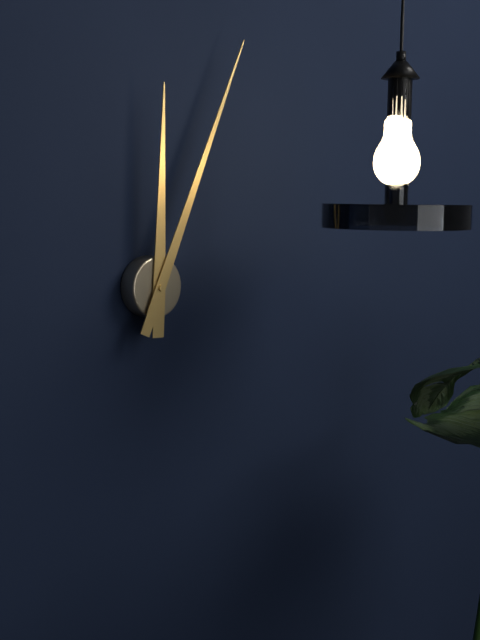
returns 12:04
